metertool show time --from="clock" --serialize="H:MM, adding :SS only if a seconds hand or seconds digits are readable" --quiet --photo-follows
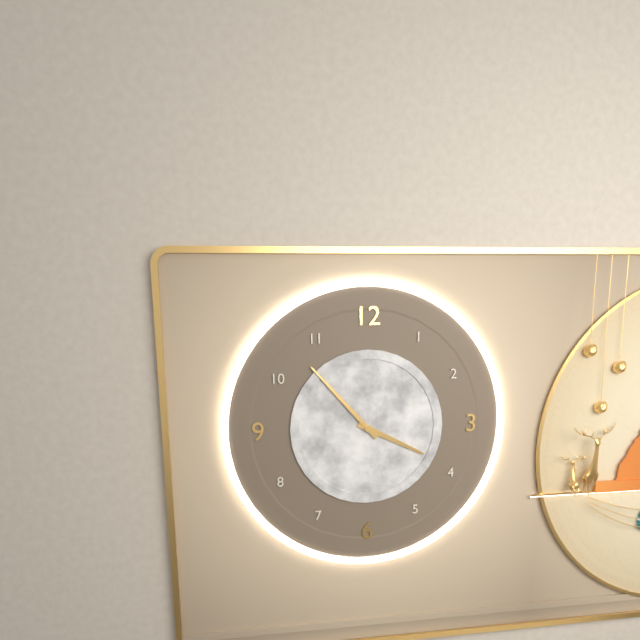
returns 3:53
